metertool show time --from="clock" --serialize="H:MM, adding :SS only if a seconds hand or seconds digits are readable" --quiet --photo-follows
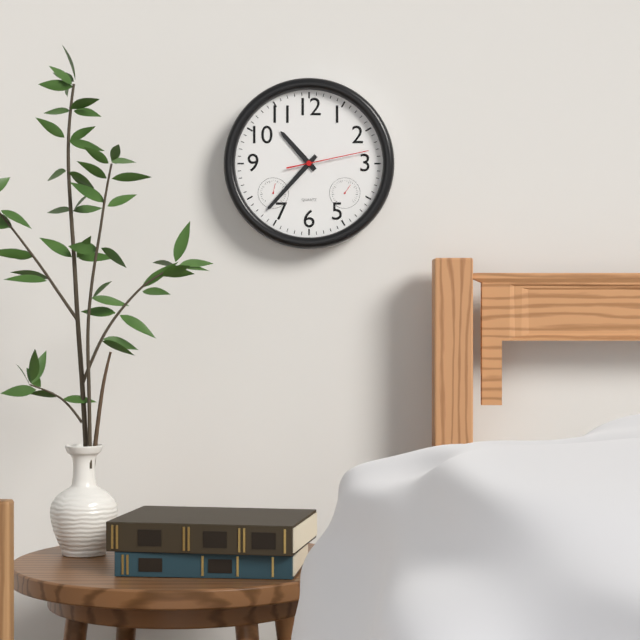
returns 10:37:13
